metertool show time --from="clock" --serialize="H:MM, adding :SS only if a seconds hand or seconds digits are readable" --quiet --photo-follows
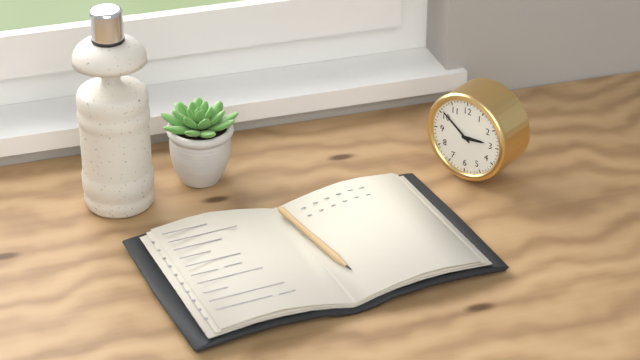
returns 2:51
